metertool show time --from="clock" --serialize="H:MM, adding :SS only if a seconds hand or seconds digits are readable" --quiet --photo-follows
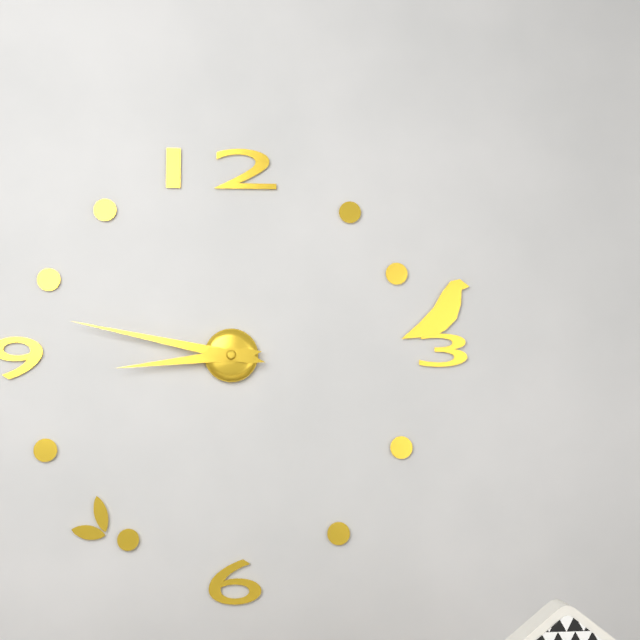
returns 8:47
